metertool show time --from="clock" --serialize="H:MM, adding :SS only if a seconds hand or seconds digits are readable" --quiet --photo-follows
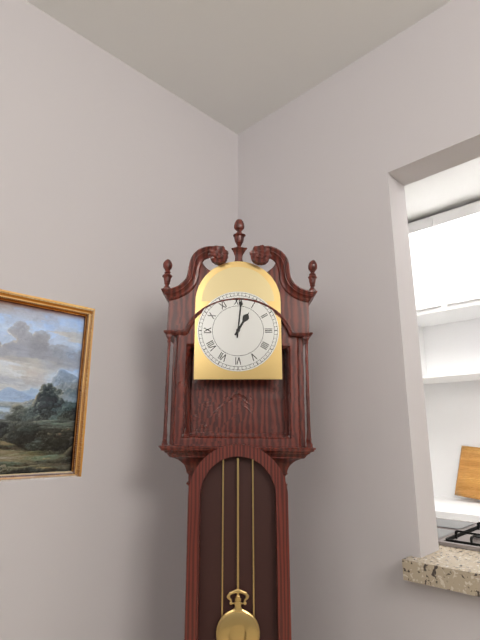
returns 1:01
